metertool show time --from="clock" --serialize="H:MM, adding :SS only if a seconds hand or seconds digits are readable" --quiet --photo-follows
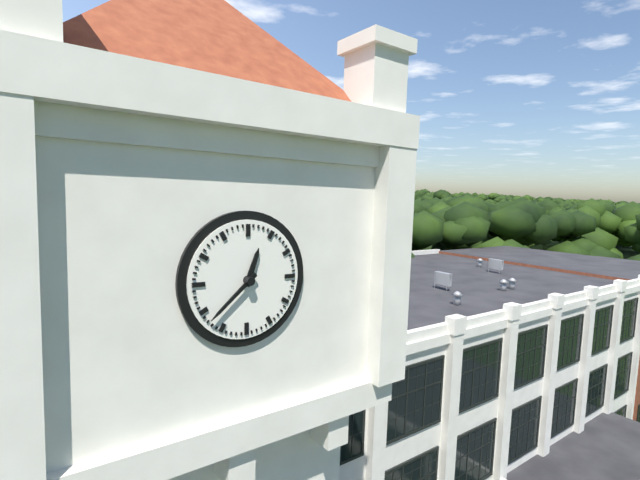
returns 12:38
